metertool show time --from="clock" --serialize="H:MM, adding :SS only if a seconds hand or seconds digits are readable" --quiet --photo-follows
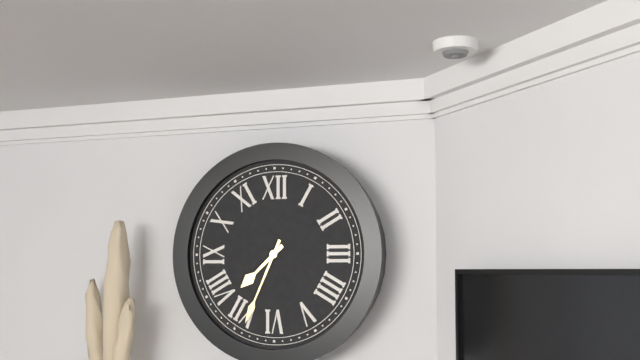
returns 7:34
